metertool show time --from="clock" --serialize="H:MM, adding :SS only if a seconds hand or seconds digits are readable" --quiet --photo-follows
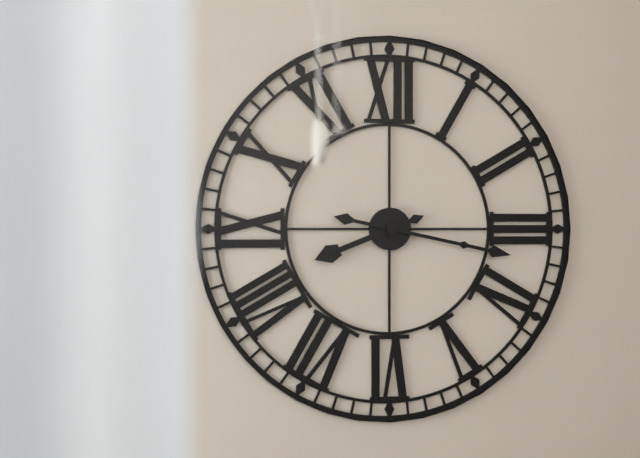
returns 8:17
